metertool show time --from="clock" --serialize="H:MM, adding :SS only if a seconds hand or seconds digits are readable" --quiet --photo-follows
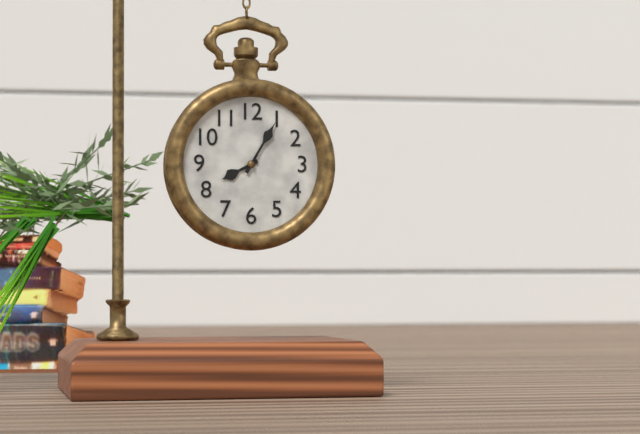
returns 8:05
